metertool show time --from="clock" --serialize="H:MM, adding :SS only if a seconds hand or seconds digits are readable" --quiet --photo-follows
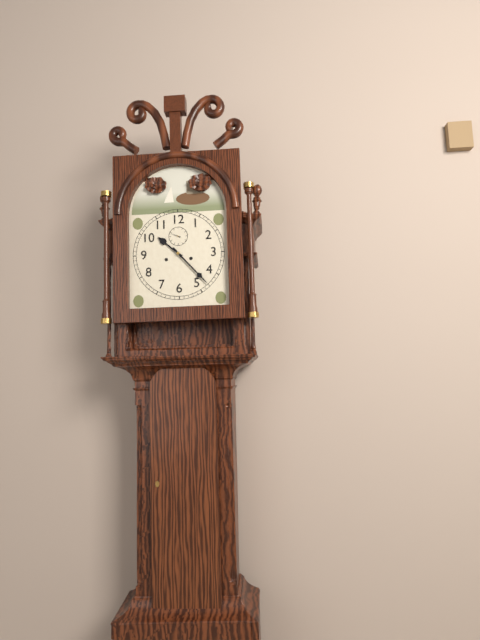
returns 10:23
